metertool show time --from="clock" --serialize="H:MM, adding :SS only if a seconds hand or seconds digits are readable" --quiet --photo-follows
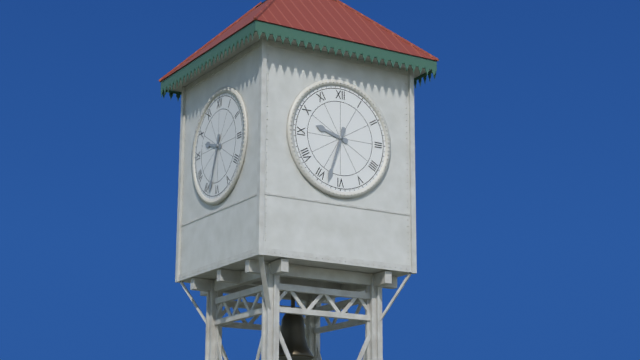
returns 9:33
